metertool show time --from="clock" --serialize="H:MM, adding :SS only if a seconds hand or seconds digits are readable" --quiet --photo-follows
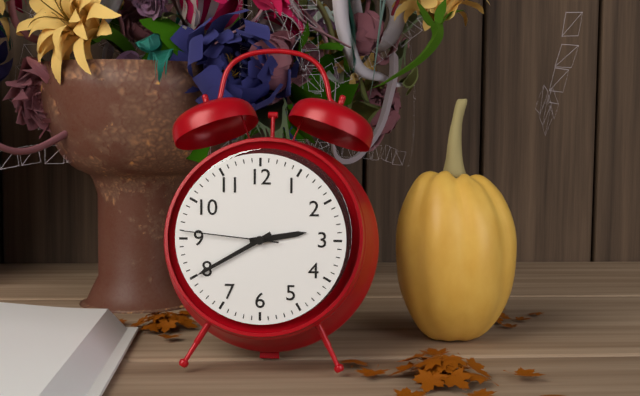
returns 2:40:46
